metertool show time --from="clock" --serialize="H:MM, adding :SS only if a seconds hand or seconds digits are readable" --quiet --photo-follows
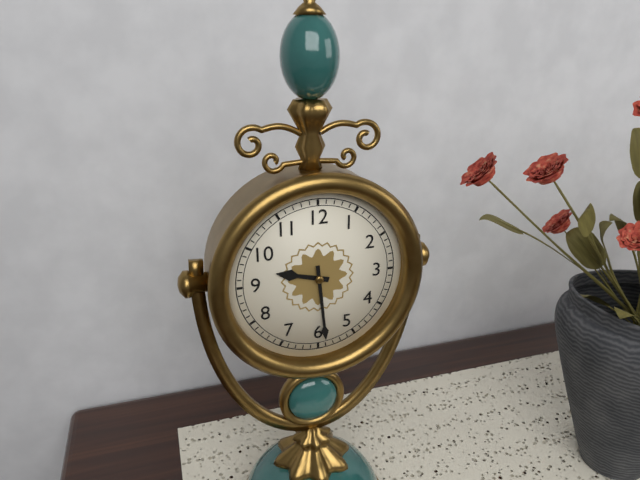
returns 9:29
